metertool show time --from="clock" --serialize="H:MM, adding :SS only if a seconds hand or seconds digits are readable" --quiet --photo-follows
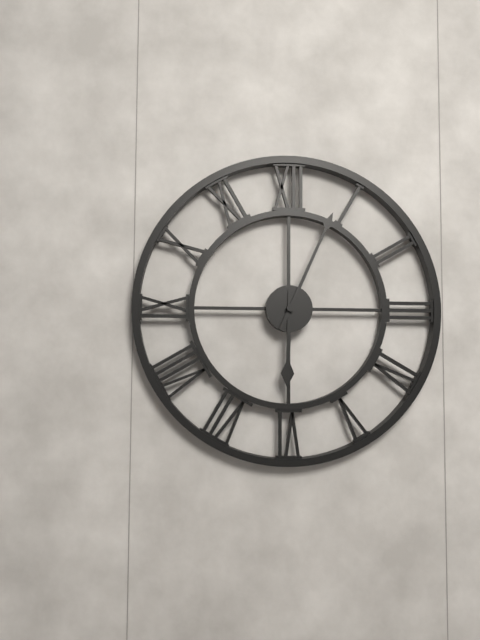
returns 6:04
